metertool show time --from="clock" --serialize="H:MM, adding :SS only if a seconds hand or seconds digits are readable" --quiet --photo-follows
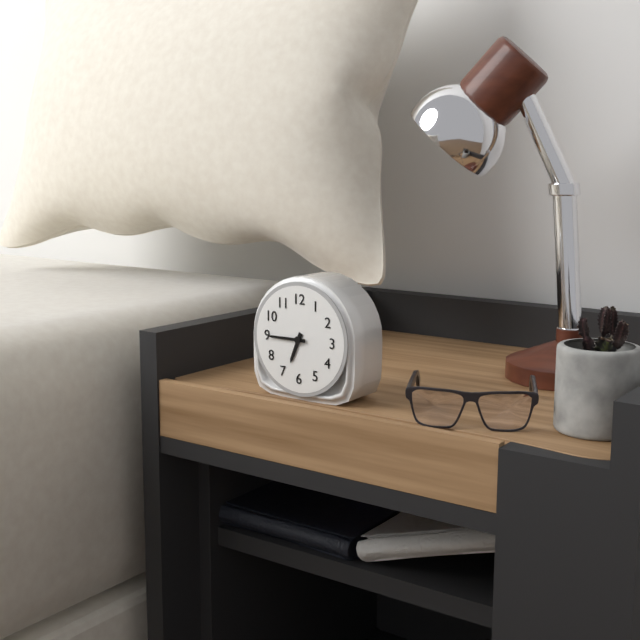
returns 6:45
